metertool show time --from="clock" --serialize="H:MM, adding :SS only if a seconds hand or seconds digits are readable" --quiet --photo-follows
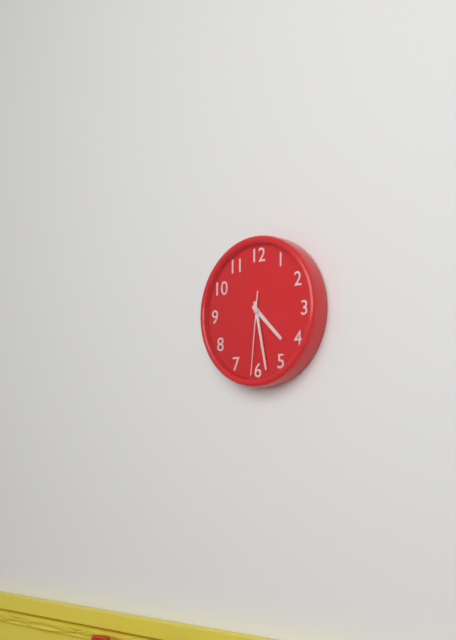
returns 4:28:31
